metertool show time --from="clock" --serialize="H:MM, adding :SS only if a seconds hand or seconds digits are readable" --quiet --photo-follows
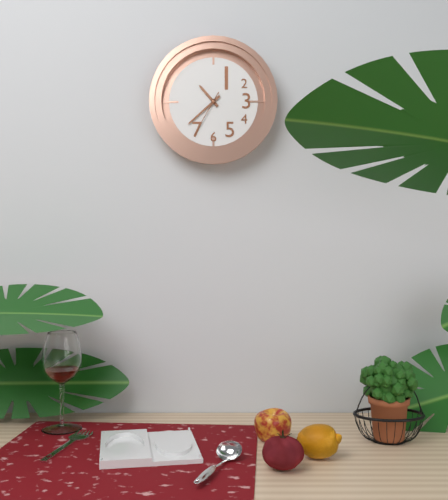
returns 10:38
